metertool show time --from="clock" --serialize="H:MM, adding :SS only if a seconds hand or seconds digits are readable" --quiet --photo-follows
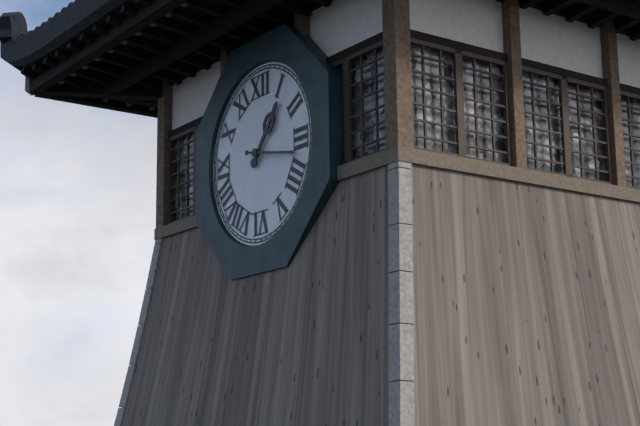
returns 1:17
